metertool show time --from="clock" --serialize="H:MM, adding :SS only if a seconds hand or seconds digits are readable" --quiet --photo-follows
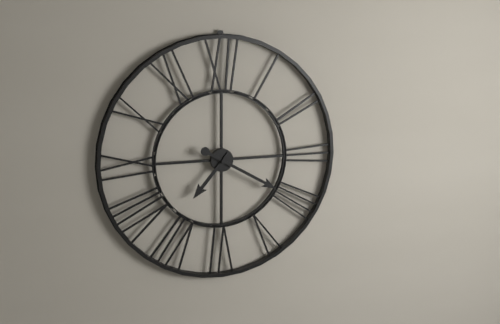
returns 7:20
